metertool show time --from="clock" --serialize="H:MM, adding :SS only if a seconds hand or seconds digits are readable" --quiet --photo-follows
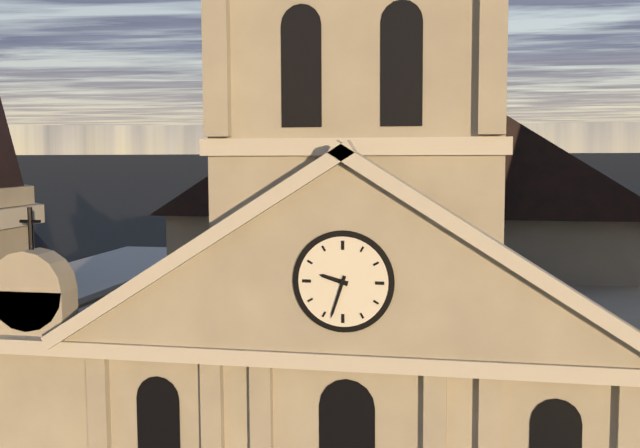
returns 9:33
